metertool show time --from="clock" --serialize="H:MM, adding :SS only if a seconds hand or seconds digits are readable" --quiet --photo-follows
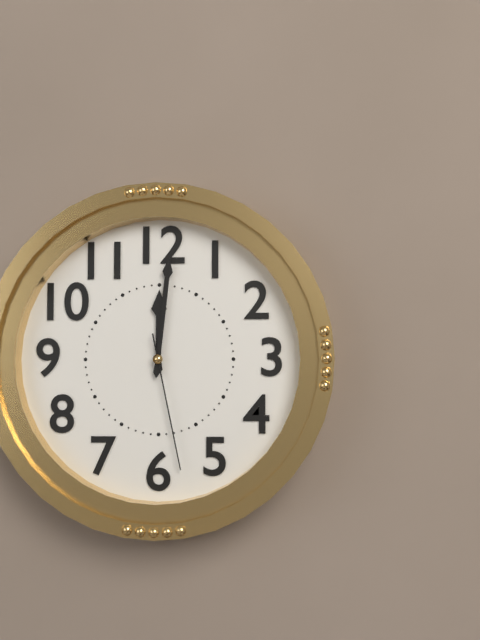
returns 12:01:28
